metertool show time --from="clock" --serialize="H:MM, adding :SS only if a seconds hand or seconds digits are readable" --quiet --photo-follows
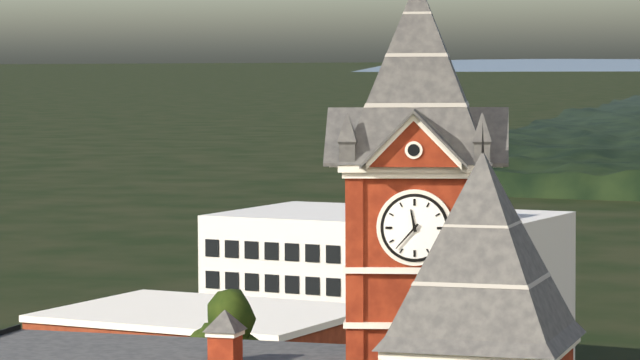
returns 11:37
